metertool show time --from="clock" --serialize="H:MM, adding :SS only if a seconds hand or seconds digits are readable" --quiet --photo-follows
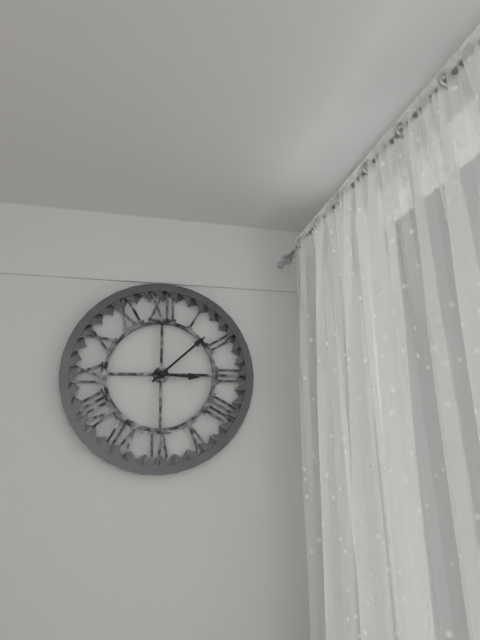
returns 3:08
